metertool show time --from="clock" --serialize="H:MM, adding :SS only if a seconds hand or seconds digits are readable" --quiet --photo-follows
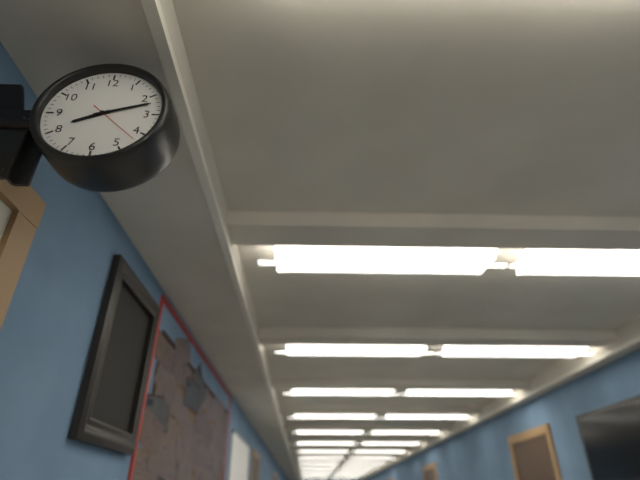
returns 8:12
